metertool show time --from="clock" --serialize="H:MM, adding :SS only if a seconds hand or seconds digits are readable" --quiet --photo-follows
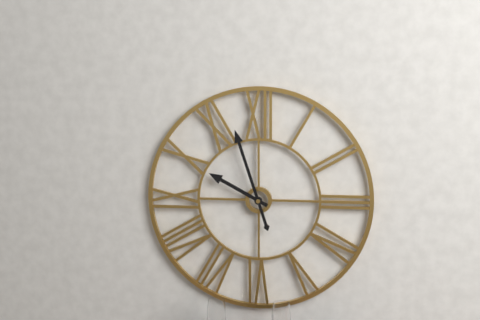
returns 9:57
